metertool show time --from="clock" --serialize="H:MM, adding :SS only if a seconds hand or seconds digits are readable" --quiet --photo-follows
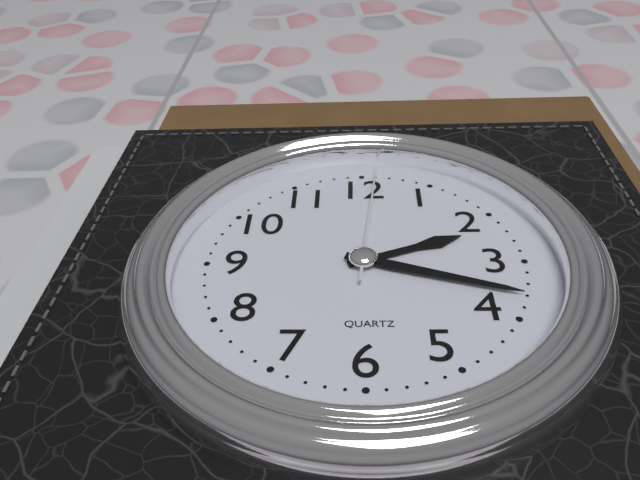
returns 2:18:01
